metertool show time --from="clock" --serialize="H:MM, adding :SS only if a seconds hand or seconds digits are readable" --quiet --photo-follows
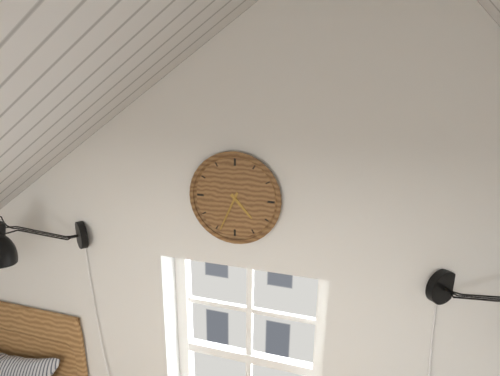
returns 4:34
